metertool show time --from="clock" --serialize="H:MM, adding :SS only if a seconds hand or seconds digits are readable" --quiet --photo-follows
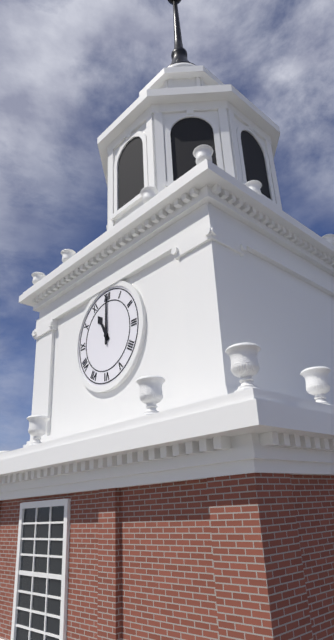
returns 11:00
